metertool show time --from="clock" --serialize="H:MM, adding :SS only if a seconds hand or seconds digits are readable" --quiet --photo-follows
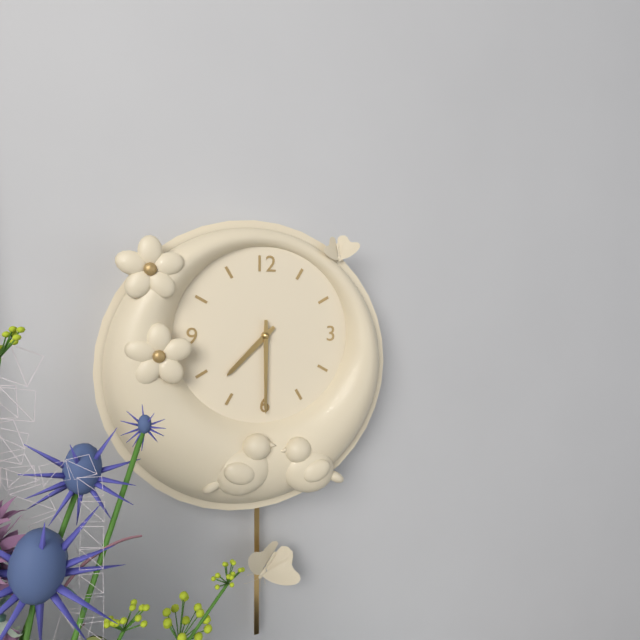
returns 7:30
